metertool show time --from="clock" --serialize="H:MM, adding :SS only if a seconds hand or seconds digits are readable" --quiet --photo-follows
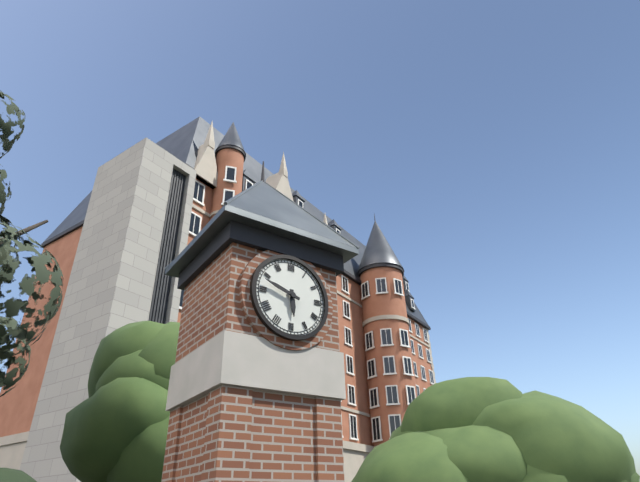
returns 5:48
